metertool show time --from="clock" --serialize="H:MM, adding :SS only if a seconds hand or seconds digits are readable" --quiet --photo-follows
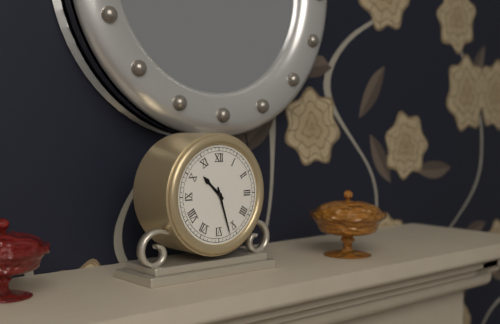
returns 10:27
